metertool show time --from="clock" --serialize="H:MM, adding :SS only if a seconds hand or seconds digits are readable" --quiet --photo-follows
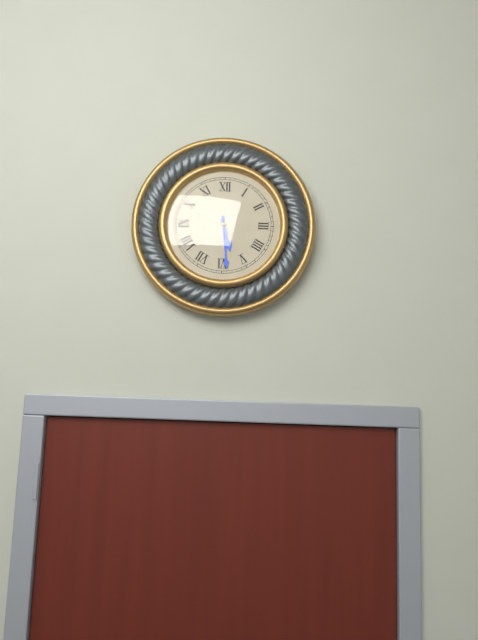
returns 5:29
